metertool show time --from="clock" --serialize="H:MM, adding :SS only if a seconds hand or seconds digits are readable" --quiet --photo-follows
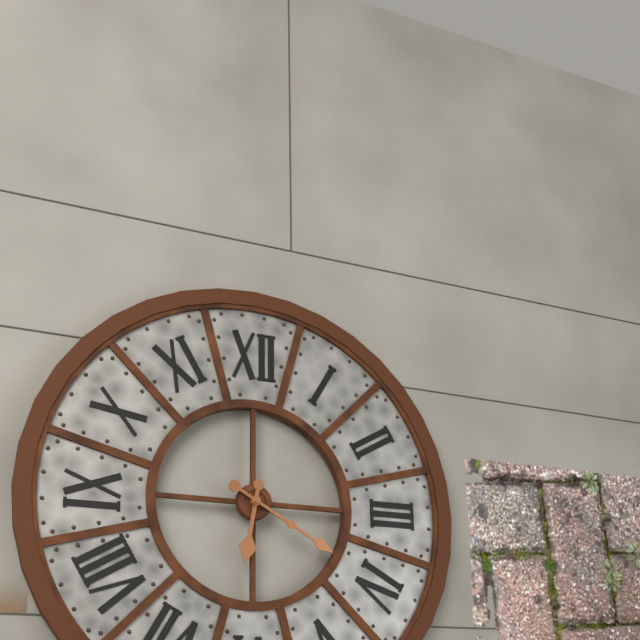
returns 6:20
